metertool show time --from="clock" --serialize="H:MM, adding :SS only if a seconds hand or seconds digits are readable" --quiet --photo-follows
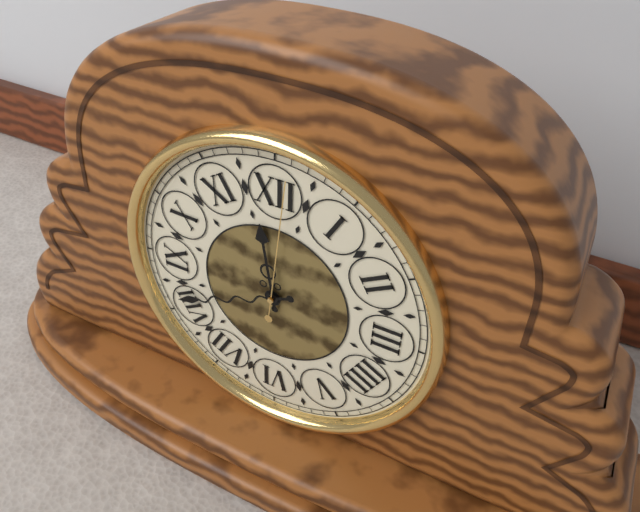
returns 11:41:01
